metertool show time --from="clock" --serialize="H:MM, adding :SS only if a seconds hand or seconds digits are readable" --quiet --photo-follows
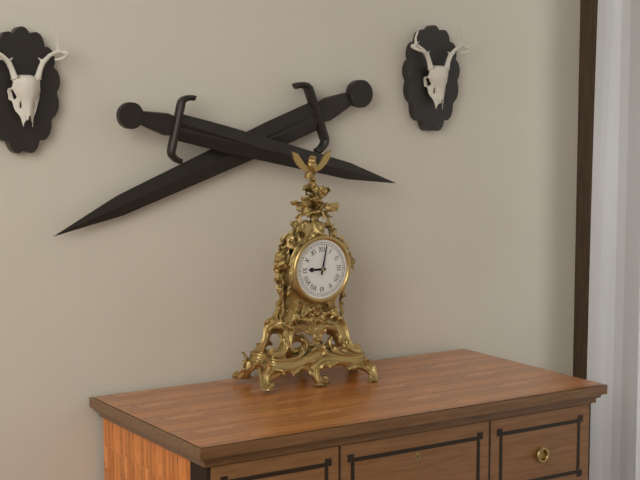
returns 9:02
